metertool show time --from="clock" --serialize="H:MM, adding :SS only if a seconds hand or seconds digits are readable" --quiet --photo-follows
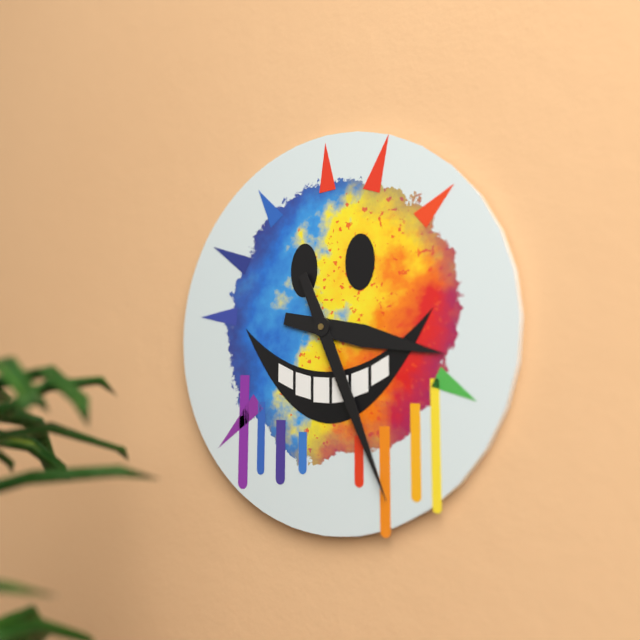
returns 3:26
